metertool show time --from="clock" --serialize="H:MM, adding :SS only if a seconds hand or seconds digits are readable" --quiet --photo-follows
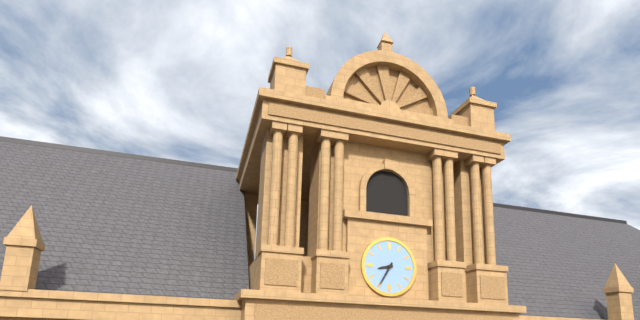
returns 8:35
